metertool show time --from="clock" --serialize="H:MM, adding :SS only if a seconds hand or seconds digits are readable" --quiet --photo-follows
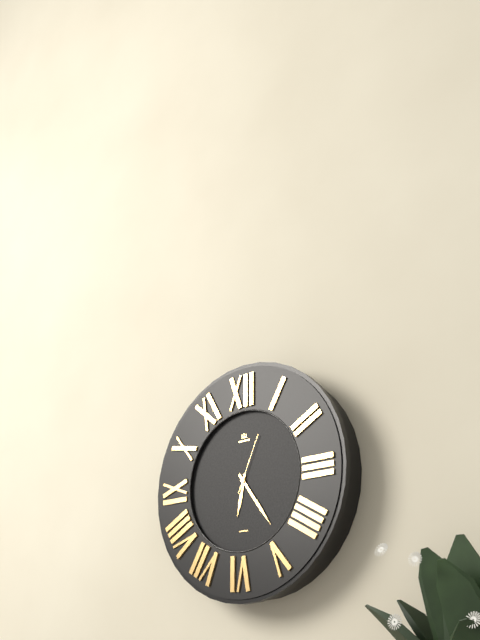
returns 6:24:04
